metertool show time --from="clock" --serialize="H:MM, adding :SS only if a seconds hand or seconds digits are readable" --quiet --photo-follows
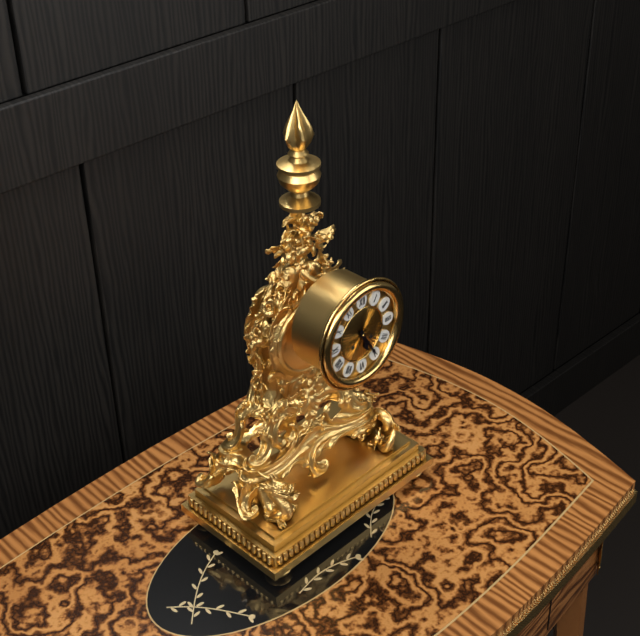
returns 5:25
